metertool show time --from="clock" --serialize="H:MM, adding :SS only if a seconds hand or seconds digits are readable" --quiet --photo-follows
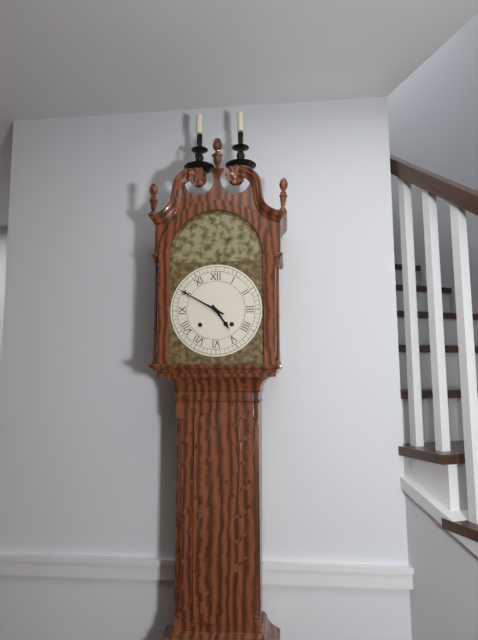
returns 4:50
